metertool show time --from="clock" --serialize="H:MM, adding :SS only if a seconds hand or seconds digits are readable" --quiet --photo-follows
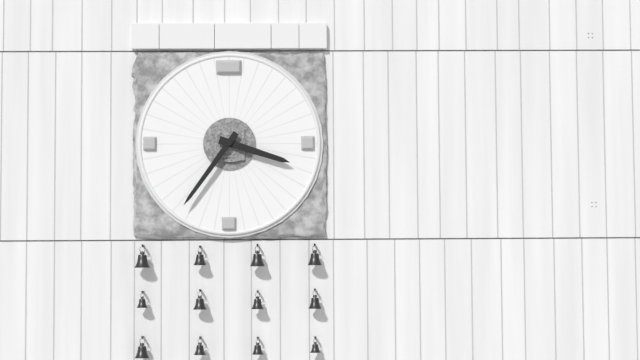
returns 3:36
